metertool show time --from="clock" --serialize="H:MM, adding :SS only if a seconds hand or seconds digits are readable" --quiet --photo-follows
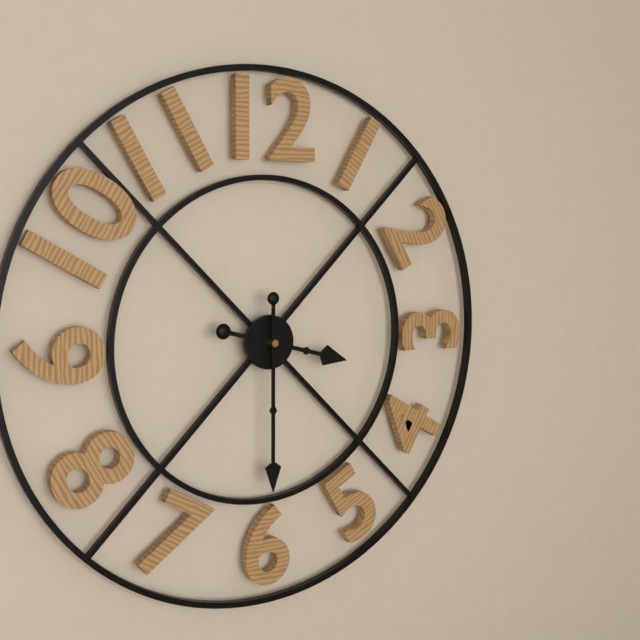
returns 3:30
